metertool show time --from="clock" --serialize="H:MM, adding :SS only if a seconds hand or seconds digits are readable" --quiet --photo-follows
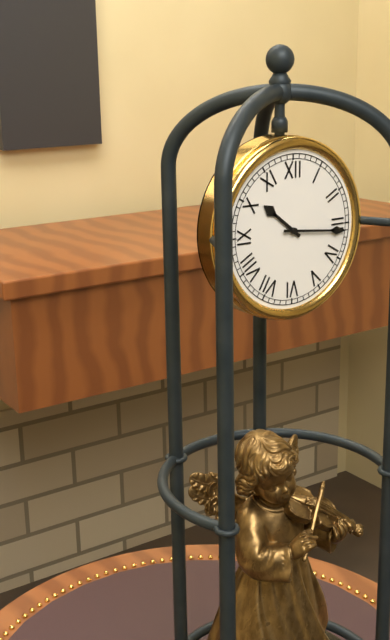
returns 10:16
